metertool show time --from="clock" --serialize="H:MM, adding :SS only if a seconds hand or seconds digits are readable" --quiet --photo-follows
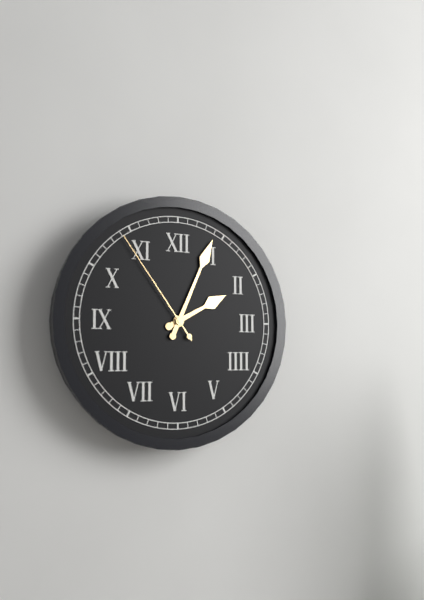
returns 2:04:54
